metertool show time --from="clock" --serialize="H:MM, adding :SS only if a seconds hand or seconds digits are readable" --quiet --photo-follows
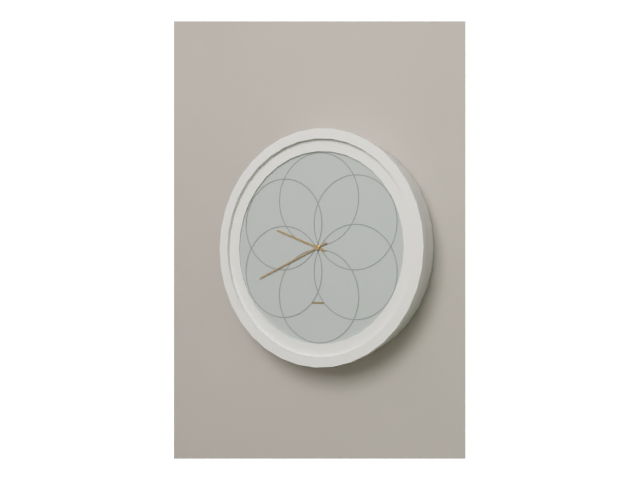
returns 9:41
